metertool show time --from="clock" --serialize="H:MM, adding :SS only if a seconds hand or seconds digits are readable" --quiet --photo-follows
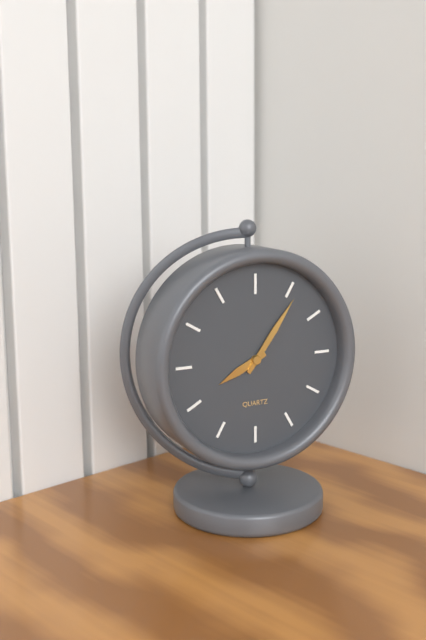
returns 8:06
